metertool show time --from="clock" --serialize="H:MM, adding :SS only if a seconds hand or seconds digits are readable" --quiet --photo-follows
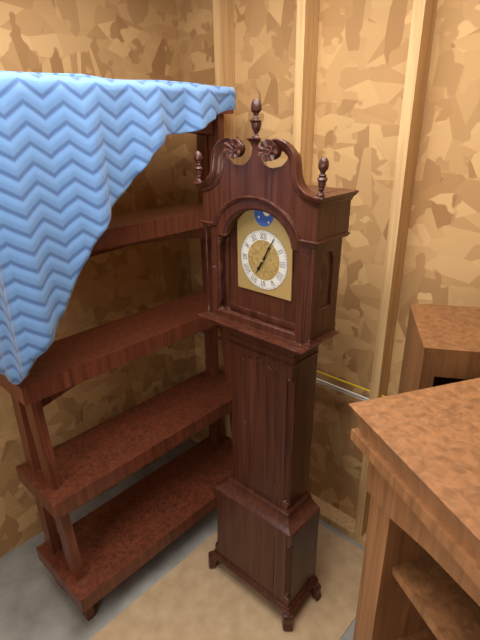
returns 7:05
